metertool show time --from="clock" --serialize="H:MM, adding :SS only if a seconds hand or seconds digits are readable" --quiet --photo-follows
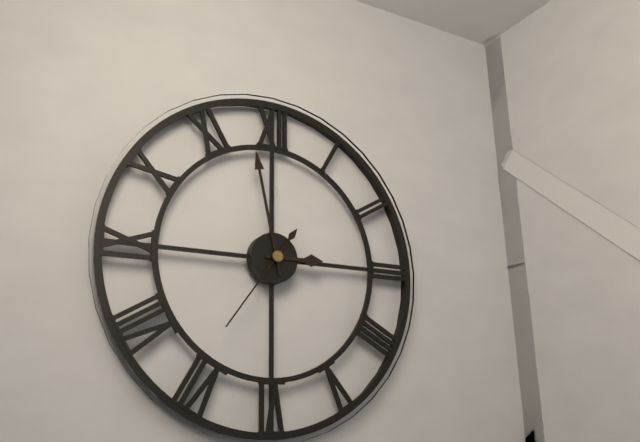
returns 2:58:36
